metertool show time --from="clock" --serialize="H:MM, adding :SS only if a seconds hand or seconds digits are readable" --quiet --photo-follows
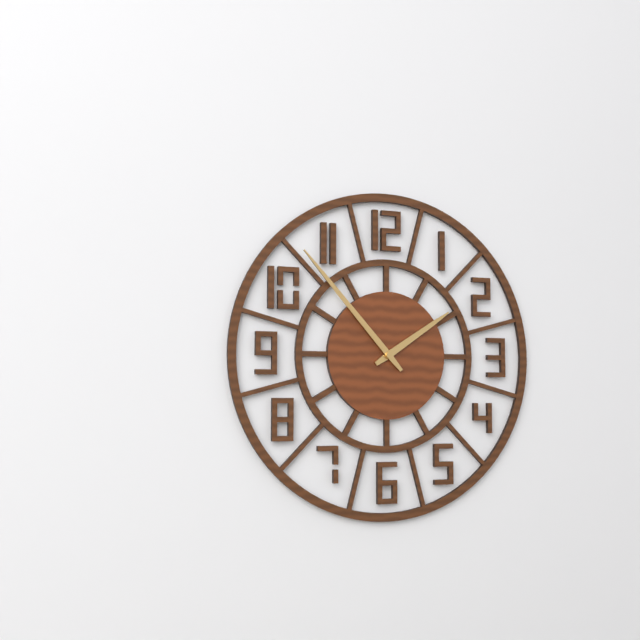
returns 1:53
